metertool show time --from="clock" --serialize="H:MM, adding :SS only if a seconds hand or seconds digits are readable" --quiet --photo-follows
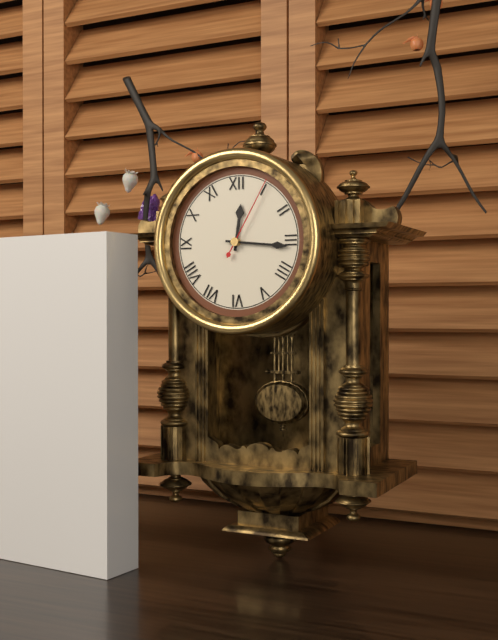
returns 12:16:05
